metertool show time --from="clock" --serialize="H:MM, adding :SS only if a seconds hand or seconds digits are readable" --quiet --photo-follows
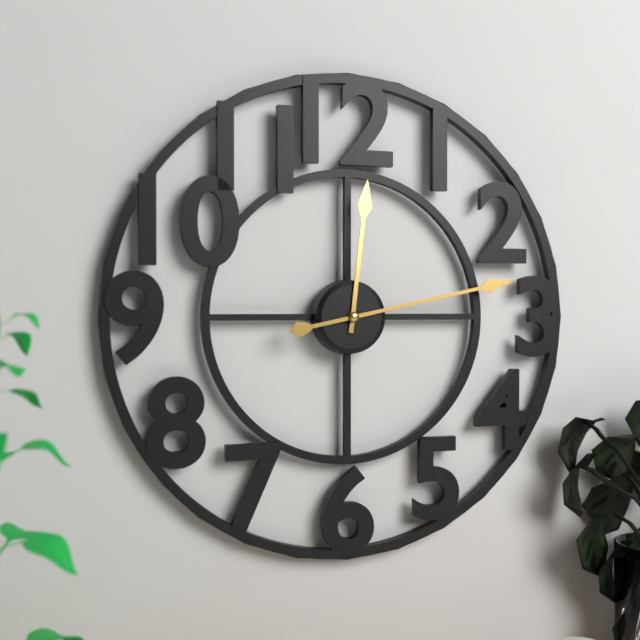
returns 12:13
